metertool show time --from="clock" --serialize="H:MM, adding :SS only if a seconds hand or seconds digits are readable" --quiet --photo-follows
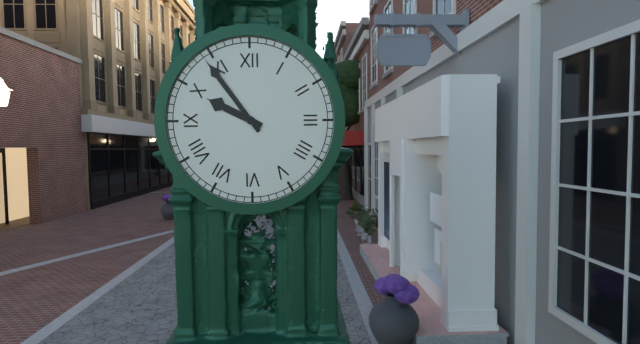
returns 9:54
